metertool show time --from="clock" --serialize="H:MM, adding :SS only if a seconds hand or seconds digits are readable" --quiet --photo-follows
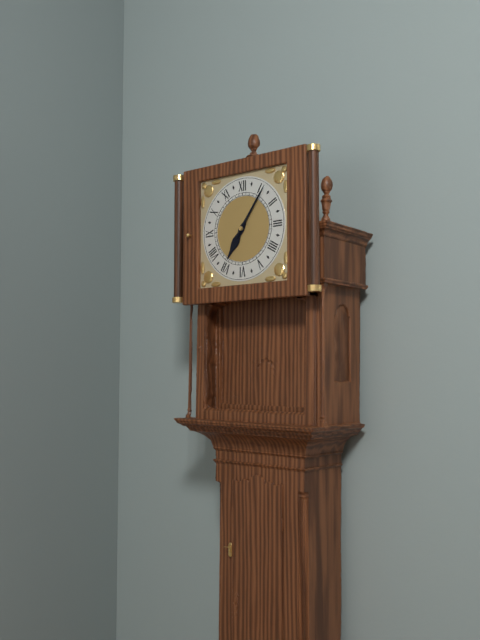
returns 7:06
